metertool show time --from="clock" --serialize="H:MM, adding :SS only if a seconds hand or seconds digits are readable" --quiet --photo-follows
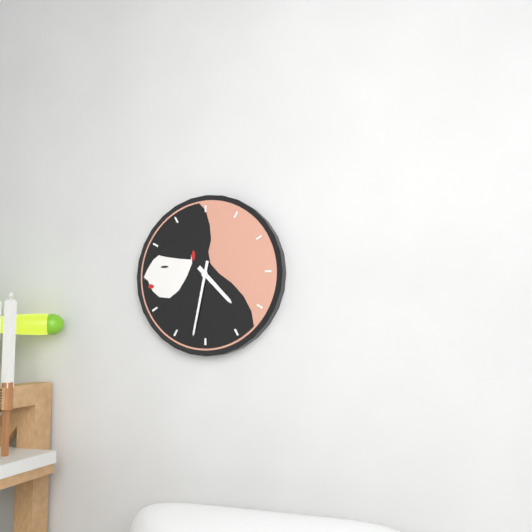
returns 4:32
